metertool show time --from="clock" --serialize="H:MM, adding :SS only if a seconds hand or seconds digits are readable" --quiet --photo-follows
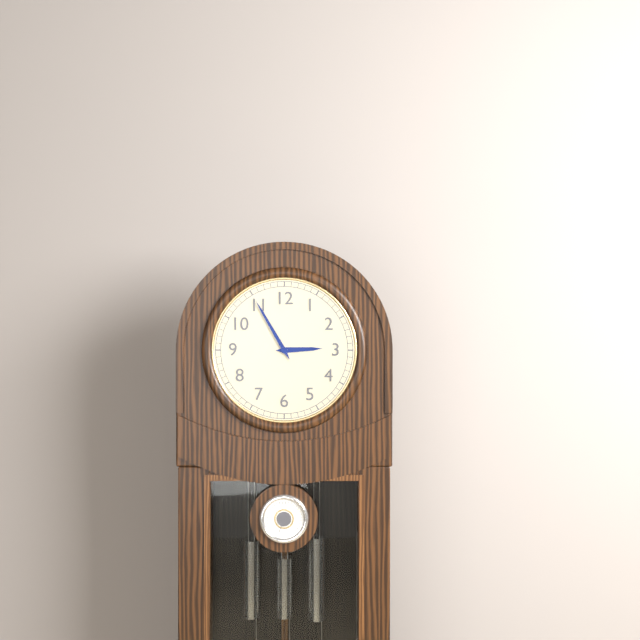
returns 2:55
